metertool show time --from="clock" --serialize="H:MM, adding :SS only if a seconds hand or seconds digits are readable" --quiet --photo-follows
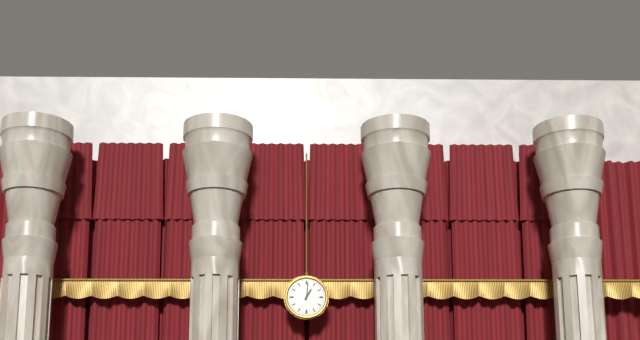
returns 1:01
